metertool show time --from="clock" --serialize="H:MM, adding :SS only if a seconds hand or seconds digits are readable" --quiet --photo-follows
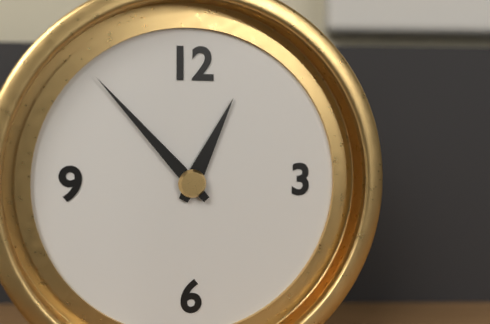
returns 12:53
